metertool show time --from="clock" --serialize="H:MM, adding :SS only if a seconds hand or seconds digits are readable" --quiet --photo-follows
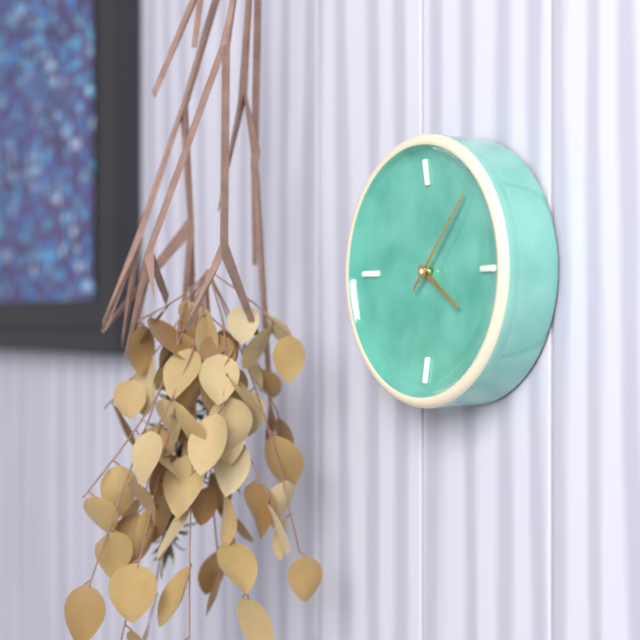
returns 4:07
